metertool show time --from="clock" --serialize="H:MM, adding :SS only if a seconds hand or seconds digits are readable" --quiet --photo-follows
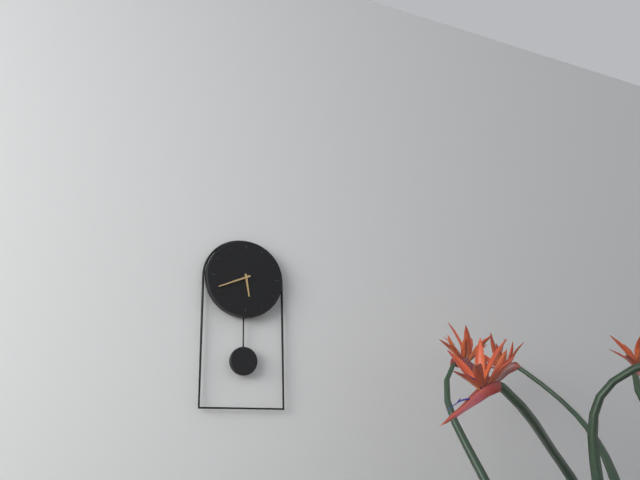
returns 5:41
